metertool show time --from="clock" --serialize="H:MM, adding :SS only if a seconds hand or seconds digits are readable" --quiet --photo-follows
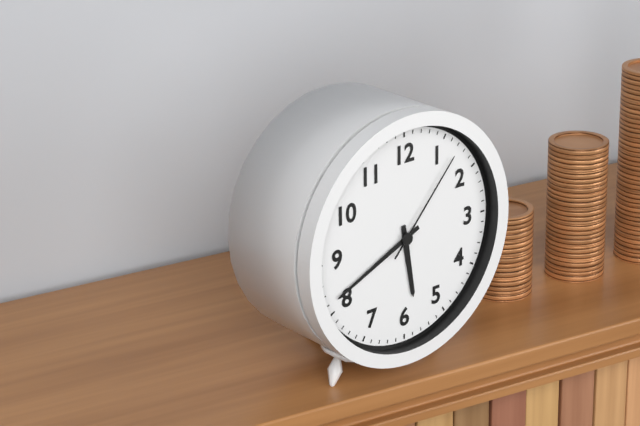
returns 5:41:07
